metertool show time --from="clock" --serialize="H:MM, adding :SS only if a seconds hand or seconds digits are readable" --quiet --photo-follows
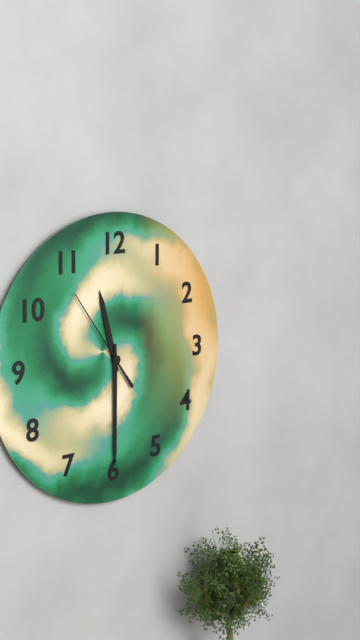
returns 11:30:54
